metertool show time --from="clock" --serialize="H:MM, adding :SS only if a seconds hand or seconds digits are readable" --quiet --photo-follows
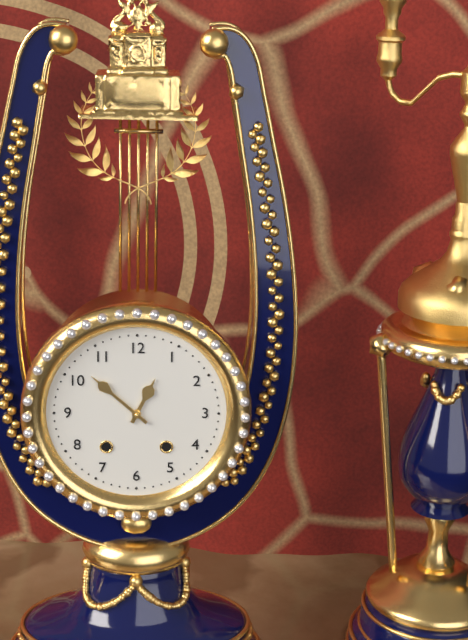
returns 12:52
